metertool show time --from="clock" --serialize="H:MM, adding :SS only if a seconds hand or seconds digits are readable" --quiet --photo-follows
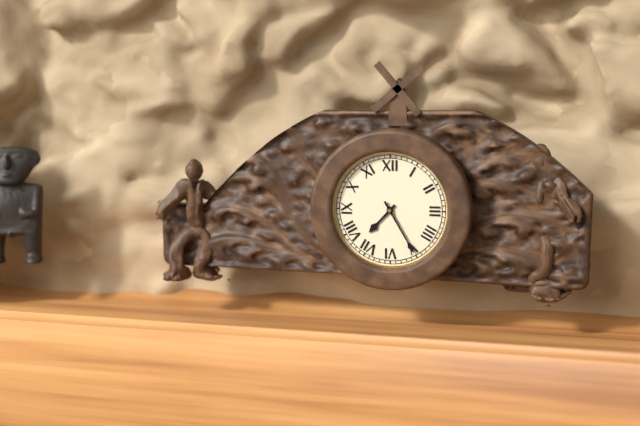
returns 7:25
